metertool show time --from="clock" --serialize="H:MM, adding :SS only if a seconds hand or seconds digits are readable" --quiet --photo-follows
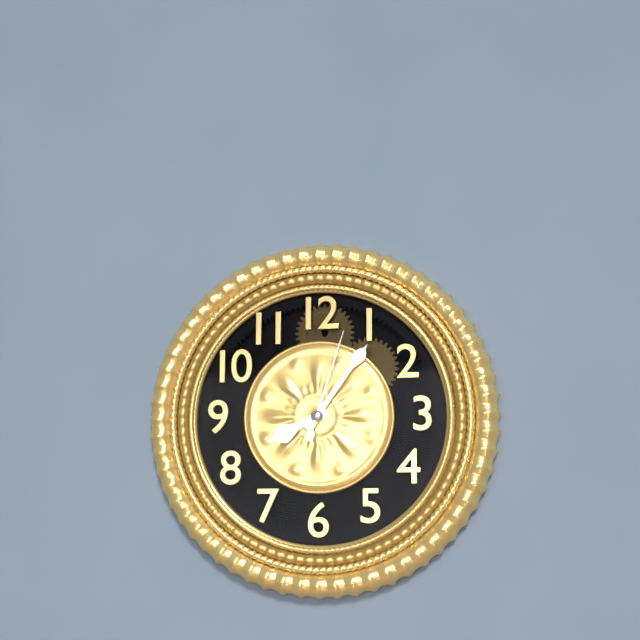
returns 8:06:03
